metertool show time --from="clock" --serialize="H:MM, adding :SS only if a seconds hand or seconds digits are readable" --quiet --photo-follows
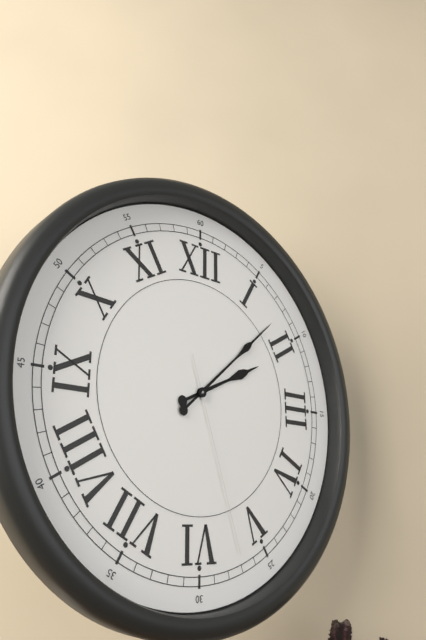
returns 2:08:27
